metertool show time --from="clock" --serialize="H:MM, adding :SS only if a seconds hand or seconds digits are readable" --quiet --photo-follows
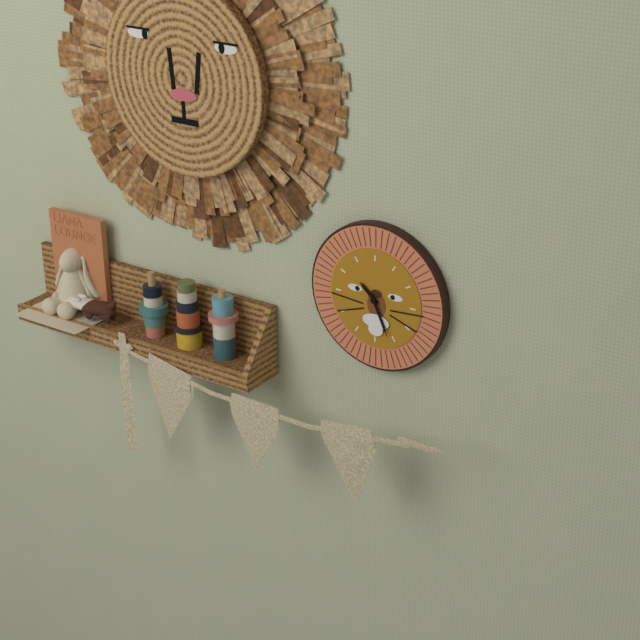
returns 10:26
